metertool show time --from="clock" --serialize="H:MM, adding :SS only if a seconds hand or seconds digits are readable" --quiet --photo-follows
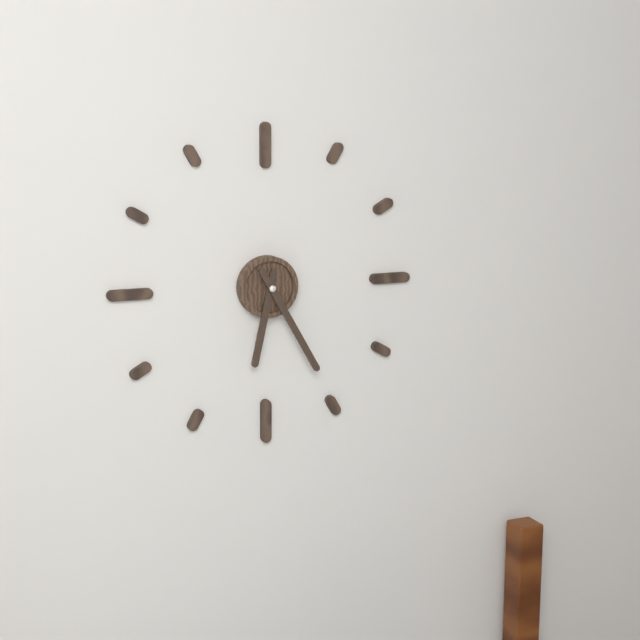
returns 6:25
